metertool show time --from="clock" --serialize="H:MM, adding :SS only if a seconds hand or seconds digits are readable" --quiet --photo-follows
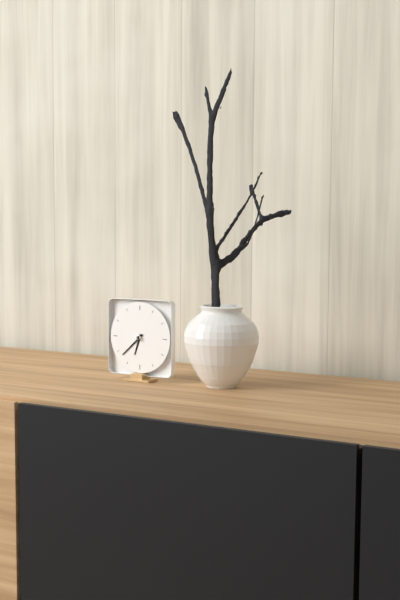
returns 6:38
